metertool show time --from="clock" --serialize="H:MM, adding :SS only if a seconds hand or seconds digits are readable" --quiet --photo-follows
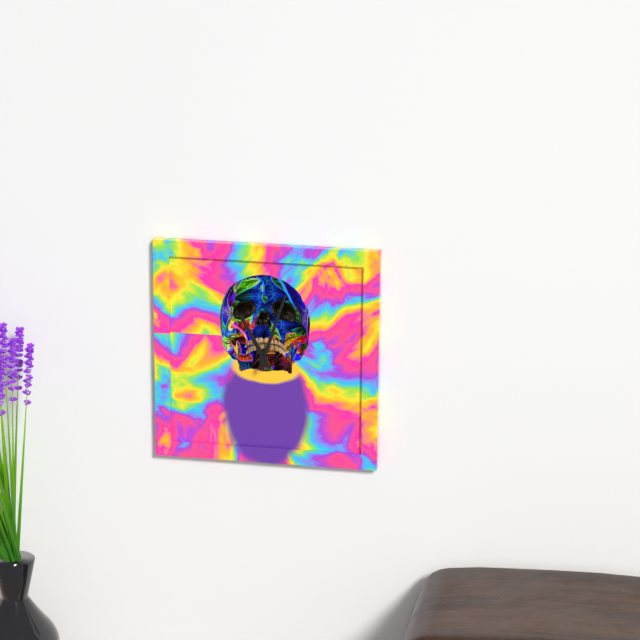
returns 11:03
